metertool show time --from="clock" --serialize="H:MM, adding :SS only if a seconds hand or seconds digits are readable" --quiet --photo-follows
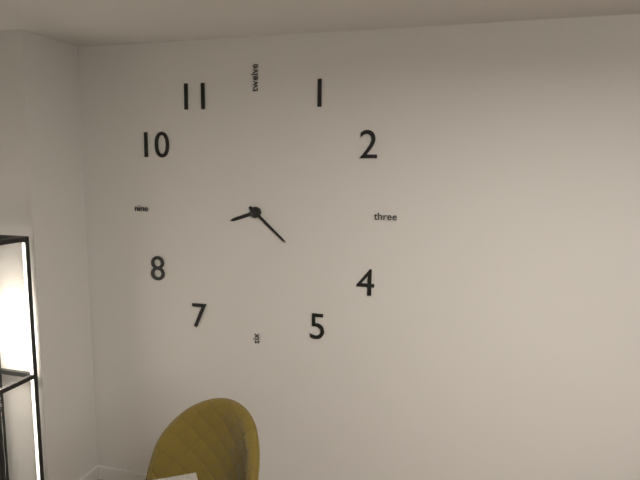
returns 8:22
